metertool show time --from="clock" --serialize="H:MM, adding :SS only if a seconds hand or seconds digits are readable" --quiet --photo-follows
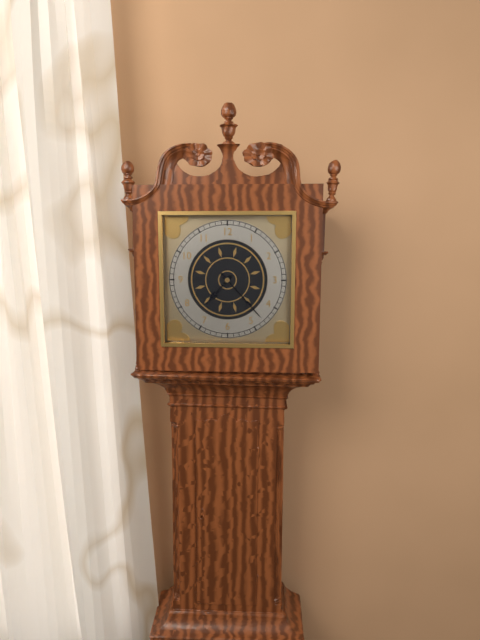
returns 7:23
